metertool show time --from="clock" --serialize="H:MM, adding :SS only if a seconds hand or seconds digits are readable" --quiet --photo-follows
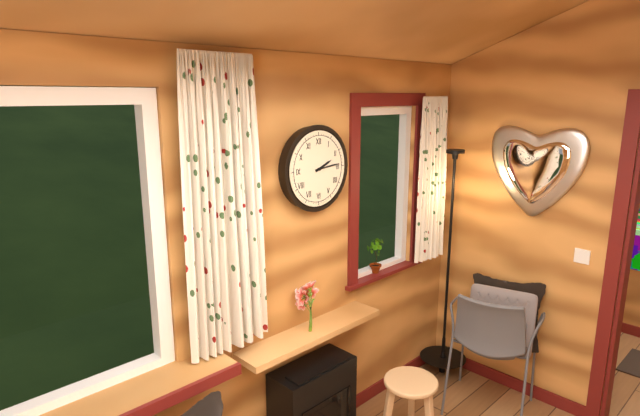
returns 2:14
